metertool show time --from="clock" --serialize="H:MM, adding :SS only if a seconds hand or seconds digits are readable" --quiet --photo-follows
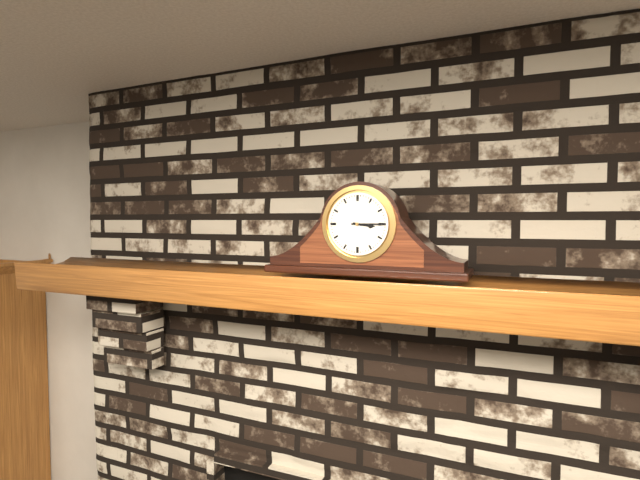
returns 3:15
